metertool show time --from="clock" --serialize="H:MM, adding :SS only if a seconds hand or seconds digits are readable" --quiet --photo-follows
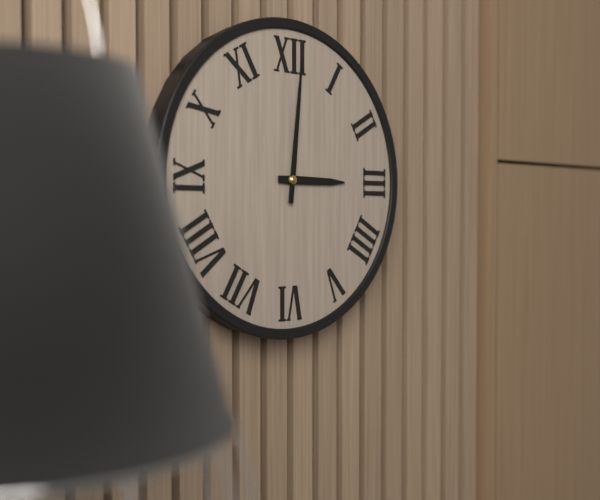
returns 3:01
